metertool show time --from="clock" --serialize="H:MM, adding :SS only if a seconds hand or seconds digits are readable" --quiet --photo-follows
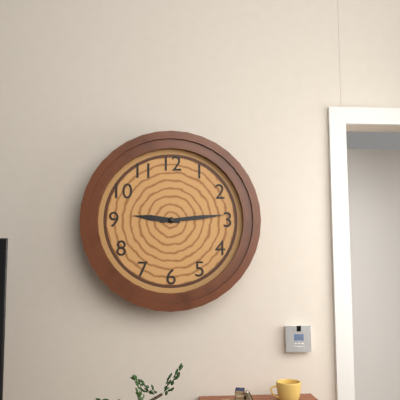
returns 9:14
